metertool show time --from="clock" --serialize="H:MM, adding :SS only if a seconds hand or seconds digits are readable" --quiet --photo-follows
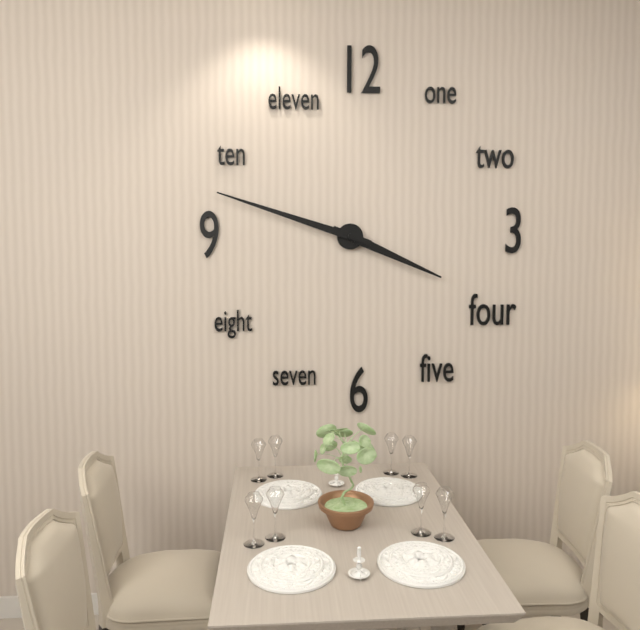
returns 3:48
